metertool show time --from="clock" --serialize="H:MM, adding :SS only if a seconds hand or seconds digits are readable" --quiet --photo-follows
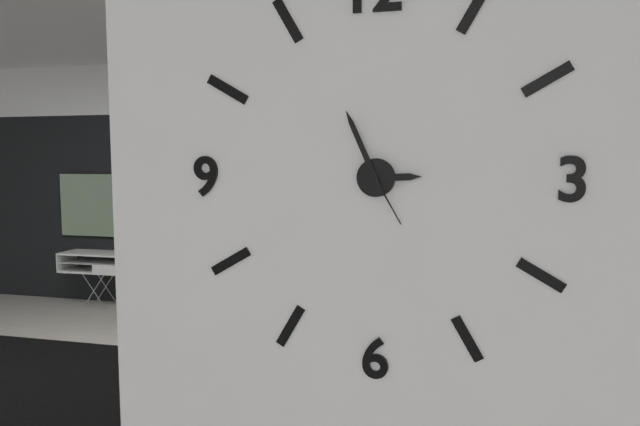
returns 2:56:25
